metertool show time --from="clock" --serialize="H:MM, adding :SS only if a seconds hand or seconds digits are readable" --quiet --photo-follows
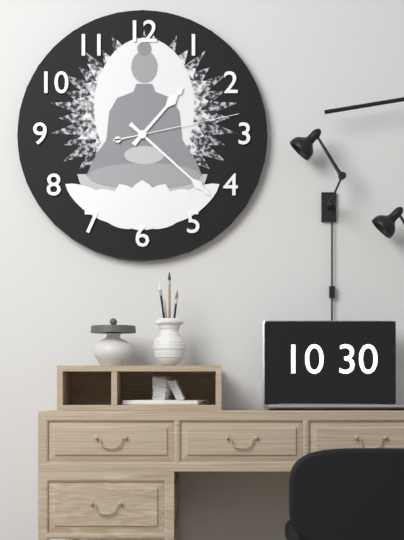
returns 1:22:13
